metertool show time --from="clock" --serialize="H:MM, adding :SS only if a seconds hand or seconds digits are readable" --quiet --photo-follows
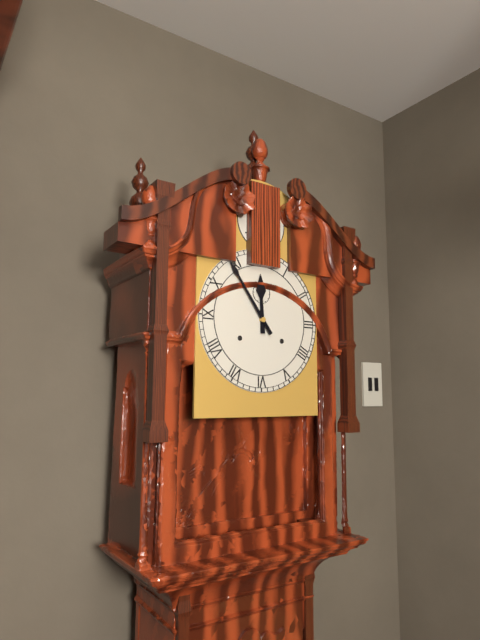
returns 11:54
